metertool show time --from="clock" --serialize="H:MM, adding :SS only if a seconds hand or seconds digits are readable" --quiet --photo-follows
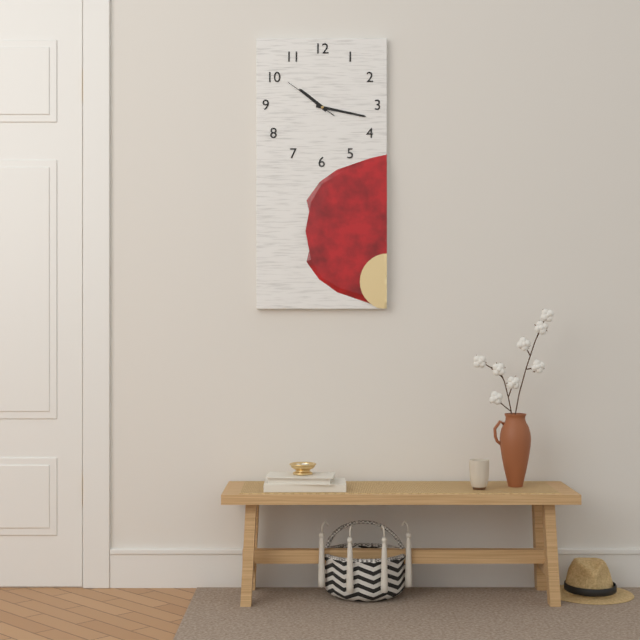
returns 10:17:51
